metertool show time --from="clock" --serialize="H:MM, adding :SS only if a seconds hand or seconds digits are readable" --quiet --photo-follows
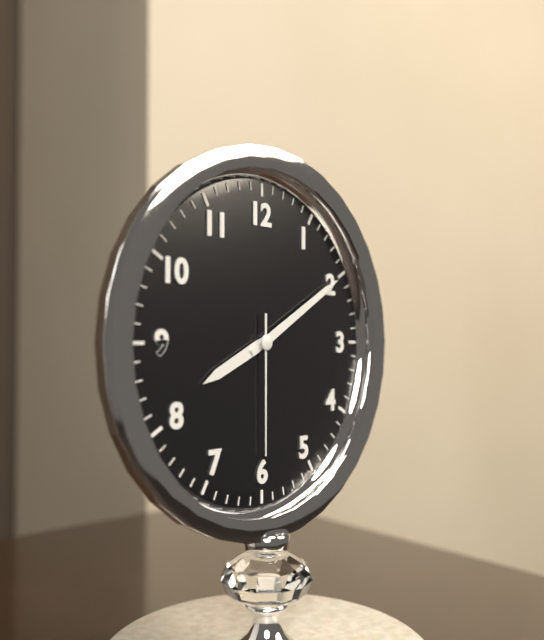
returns 8:10:30
